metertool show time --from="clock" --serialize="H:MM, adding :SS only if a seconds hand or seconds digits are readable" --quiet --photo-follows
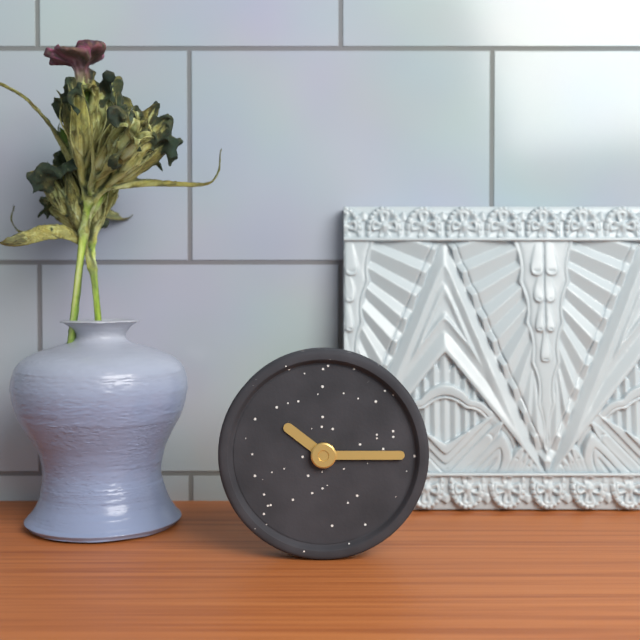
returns 10:15
